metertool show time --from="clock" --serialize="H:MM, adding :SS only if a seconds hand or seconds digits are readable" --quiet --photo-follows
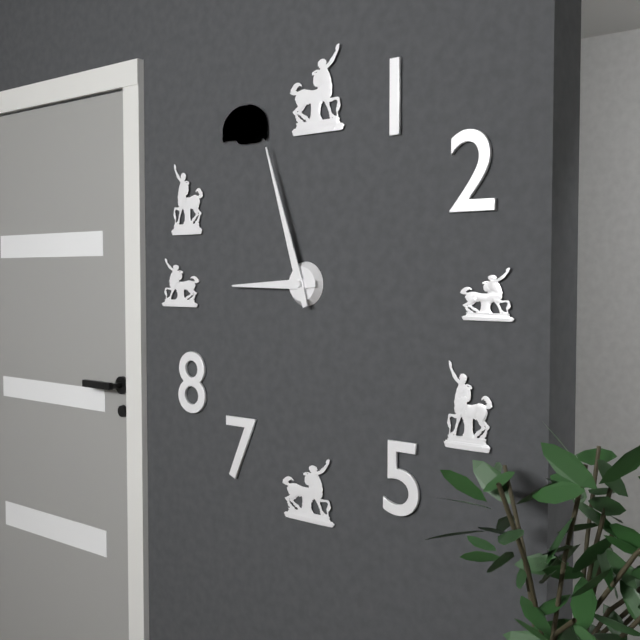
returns 8:57
